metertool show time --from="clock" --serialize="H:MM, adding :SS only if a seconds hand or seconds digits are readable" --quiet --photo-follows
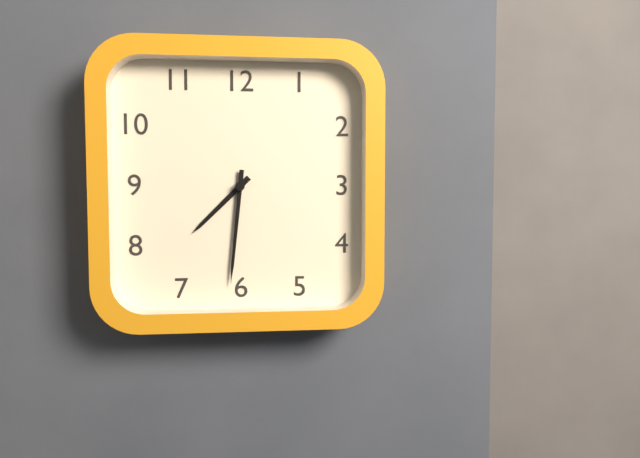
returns 7:31
